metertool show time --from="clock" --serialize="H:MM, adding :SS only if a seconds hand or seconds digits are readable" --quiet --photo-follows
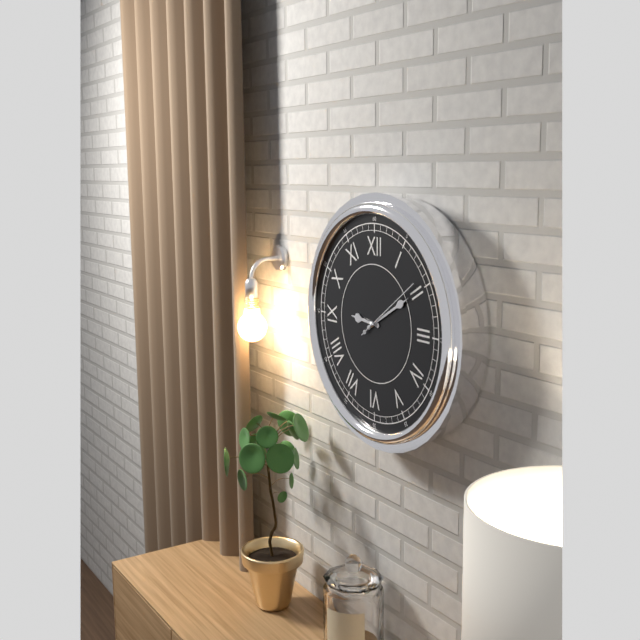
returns 9:10:09
